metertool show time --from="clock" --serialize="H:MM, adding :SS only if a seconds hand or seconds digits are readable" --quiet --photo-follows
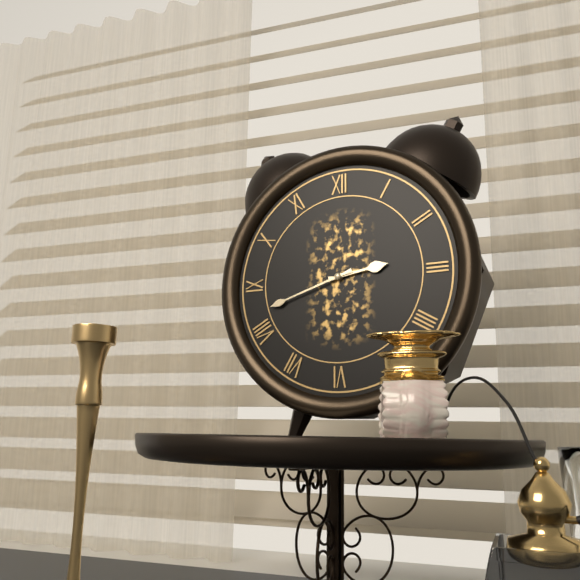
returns 2:42
